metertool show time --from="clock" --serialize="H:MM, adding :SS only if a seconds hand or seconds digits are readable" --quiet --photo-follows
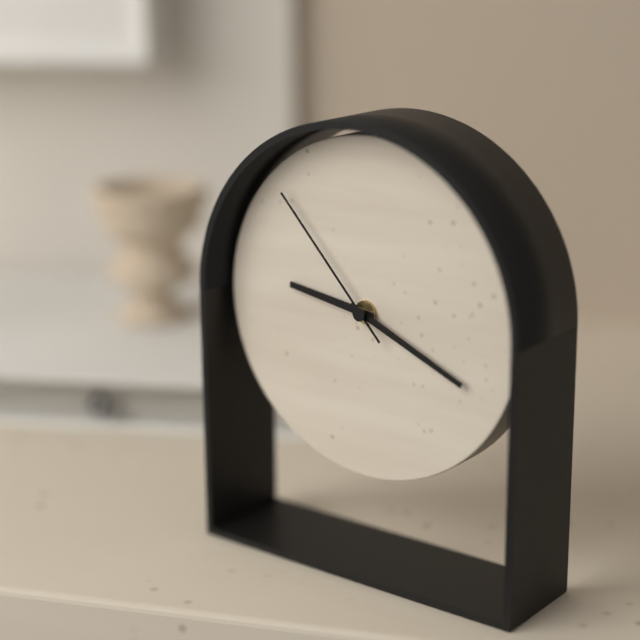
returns 9:19:53
